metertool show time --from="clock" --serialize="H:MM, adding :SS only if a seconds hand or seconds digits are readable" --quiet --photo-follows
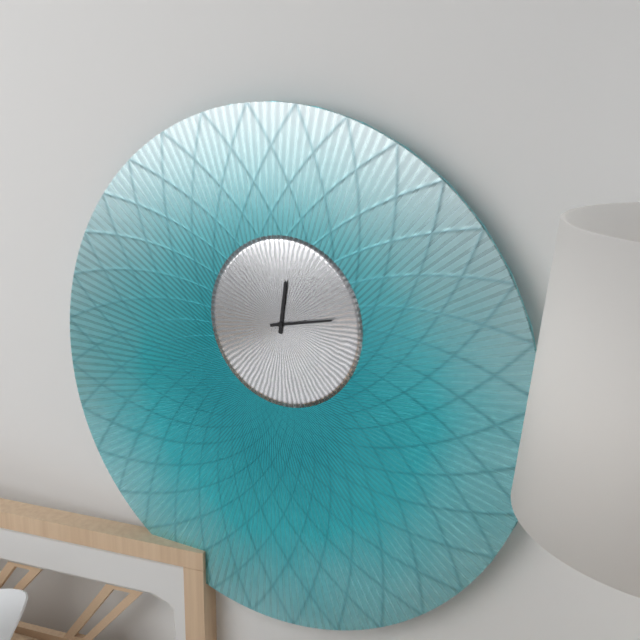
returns 12:13
